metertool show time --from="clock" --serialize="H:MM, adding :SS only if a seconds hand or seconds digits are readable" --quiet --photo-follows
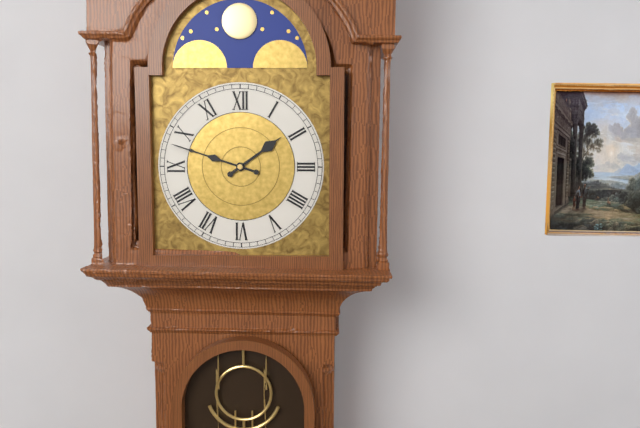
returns 1:48
